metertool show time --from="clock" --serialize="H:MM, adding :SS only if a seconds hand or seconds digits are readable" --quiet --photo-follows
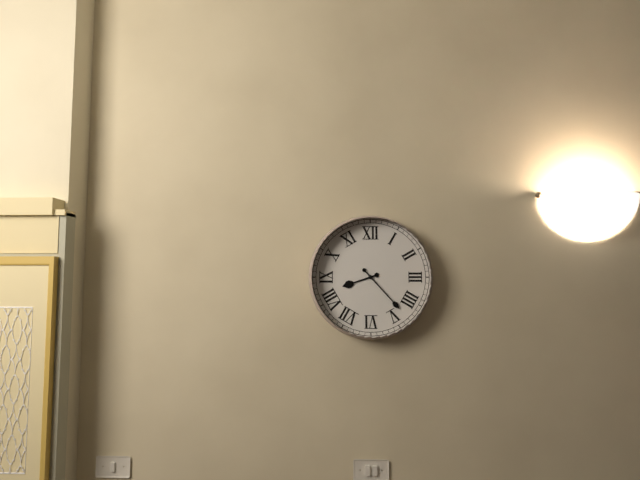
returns 8:23
